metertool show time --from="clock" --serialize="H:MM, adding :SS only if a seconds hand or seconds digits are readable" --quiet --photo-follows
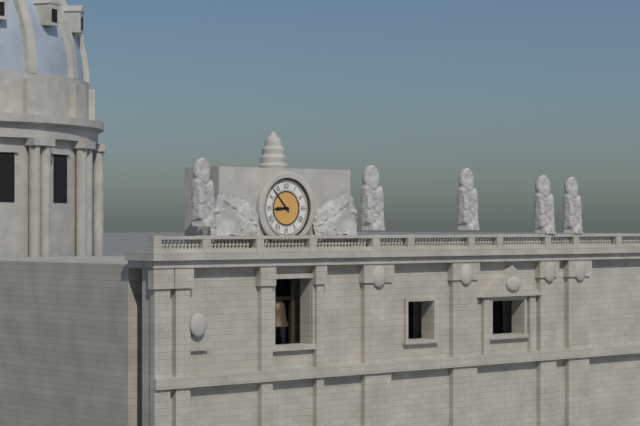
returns 8:53
